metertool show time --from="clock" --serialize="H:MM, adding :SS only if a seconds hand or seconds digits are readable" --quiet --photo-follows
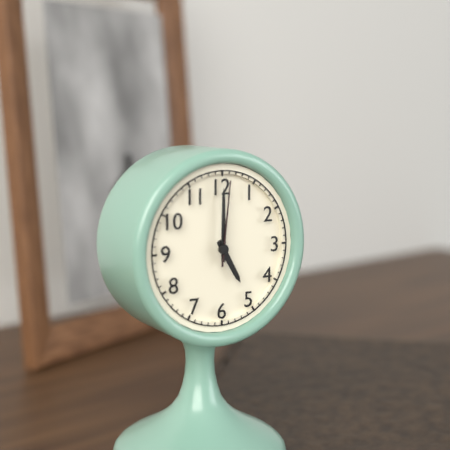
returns 5:00:01
